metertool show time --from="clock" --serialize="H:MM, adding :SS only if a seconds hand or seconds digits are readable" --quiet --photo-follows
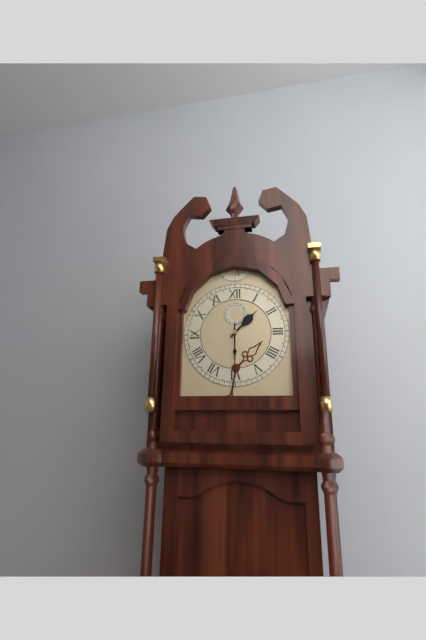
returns 1:30
